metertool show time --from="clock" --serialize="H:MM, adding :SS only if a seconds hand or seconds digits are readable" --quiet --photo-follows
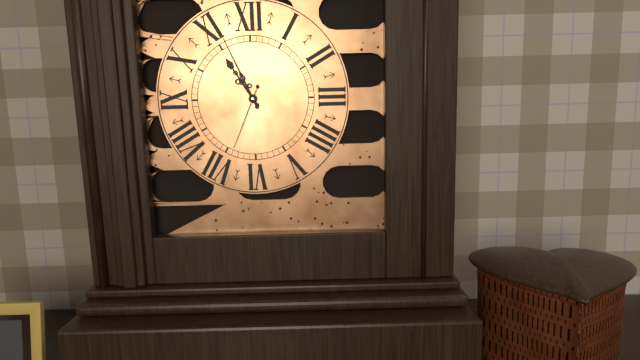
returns 10:56:34
